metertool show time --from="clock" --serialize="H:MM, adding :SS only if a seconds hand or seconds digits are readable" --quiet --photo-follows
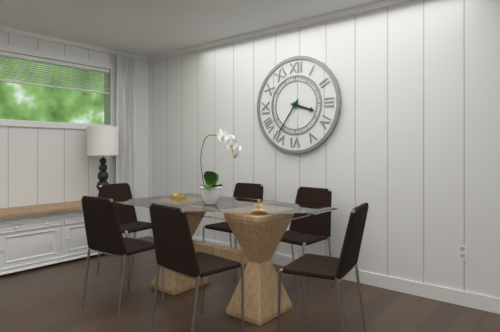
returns 3:36
